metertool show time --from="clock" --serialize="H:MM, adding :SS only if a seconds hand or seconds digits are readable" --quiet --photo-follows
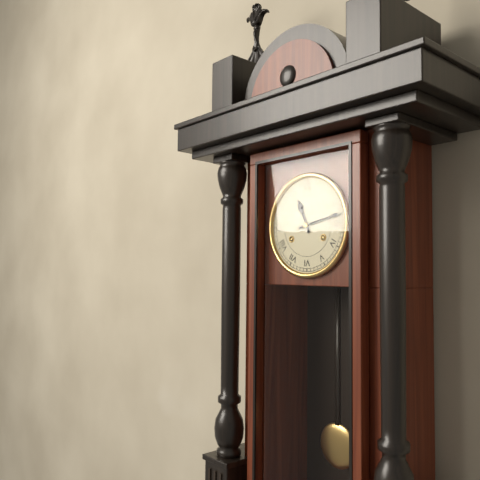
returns 11:13
